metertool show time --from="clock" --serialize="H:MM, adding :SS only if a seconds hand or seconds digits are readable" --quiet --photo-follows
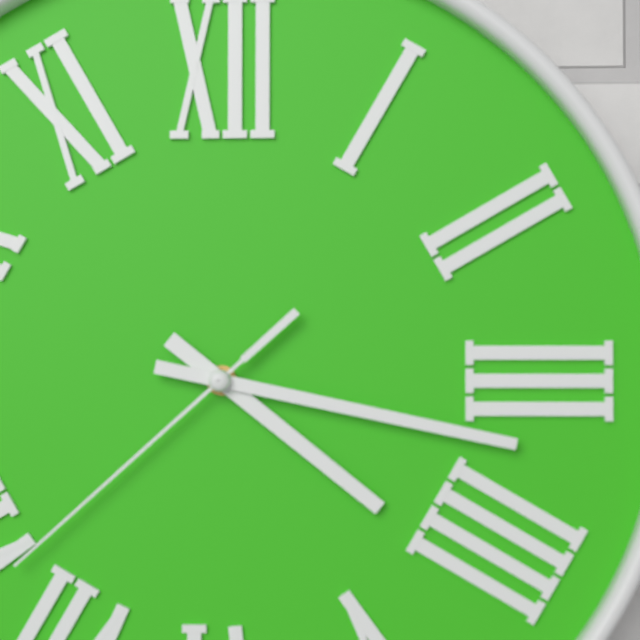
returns 4:17:38
